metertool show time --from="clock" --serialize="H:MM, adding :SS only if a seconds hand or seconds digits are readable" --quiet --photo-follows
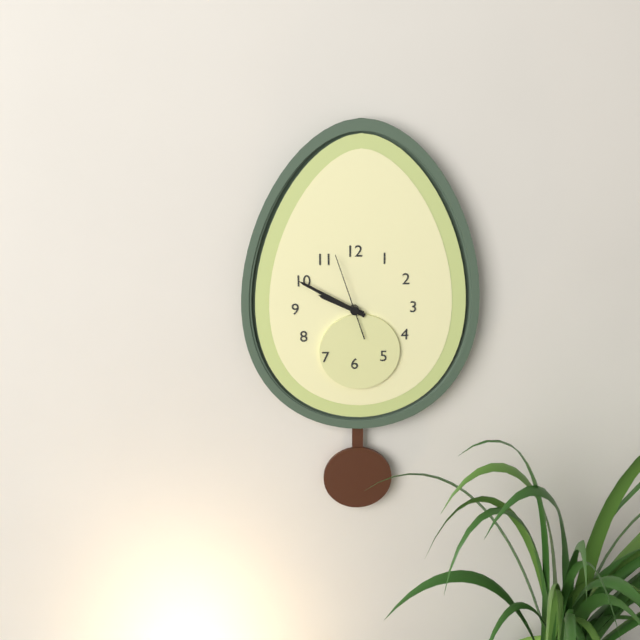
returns 9:50:57
